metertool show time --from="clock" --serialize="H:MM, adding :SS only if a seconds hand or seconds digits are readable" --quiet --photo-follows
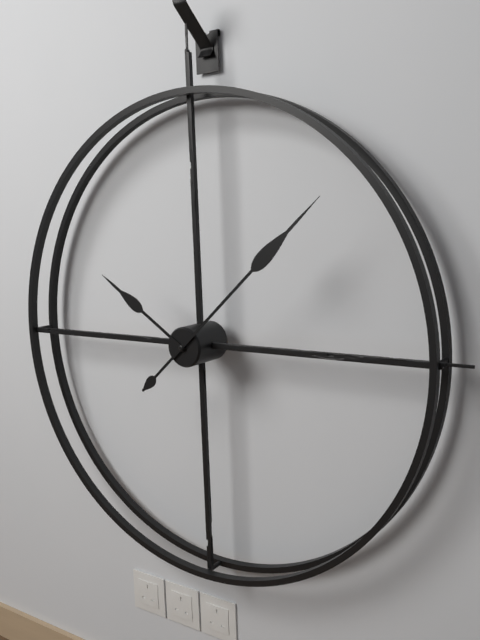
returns 10:08
